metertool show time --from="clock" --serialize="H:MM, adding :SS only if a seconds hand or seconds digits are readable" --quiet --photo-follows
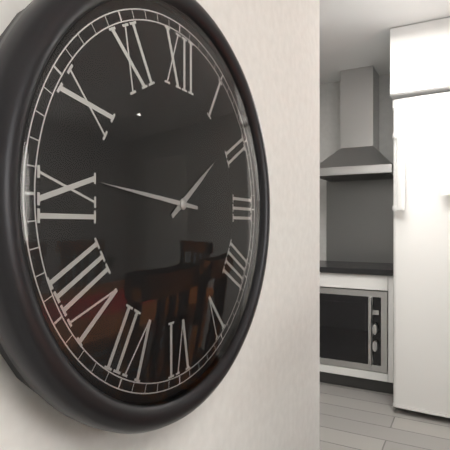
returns 1:46
